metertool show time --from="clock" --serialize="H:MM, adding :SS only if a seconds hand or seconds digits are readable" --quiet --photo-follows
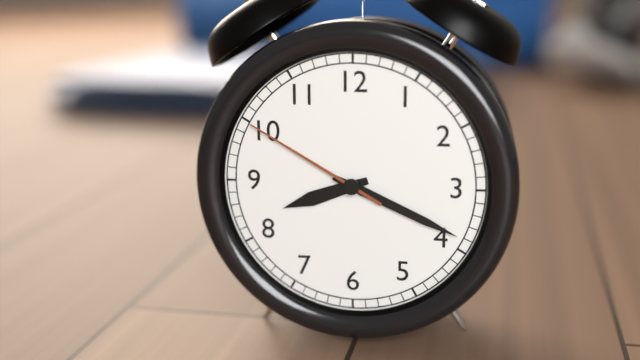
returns 8:19:50
